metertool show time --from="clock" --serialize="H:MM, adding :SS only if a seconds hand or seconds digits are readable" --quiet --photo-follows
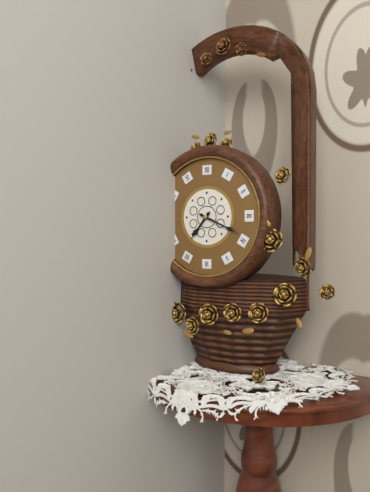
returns 7:19
